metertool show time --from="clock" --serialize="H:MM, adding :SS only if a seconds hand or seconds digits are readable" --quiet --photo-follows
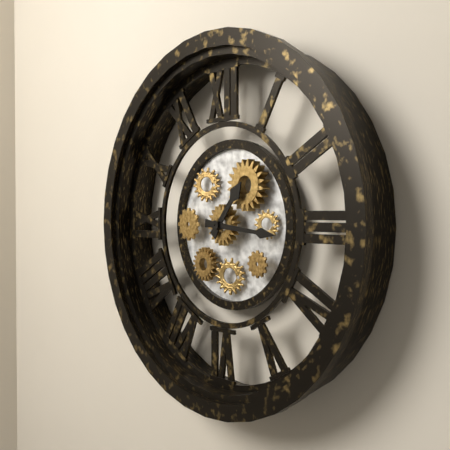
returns 1:16
